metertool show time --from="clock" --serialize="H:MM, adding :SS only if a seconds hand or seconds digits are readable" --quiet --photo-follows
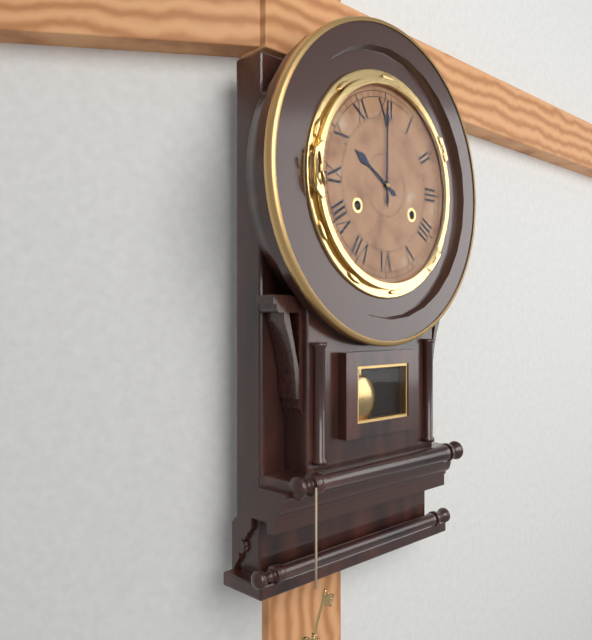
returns 10:00
